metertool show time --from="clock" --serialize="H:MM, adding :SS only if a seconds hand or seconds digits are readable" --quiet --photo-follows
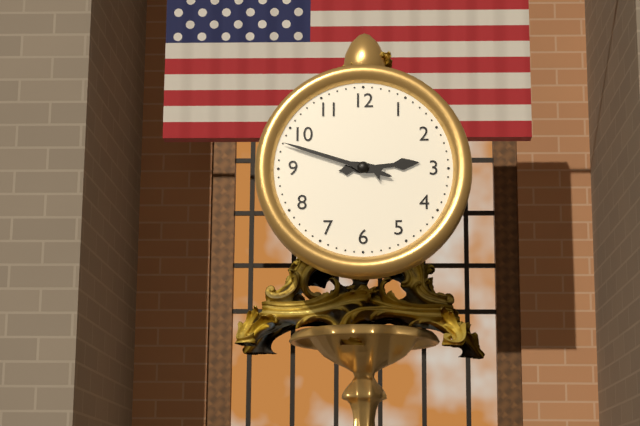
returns 2:48
